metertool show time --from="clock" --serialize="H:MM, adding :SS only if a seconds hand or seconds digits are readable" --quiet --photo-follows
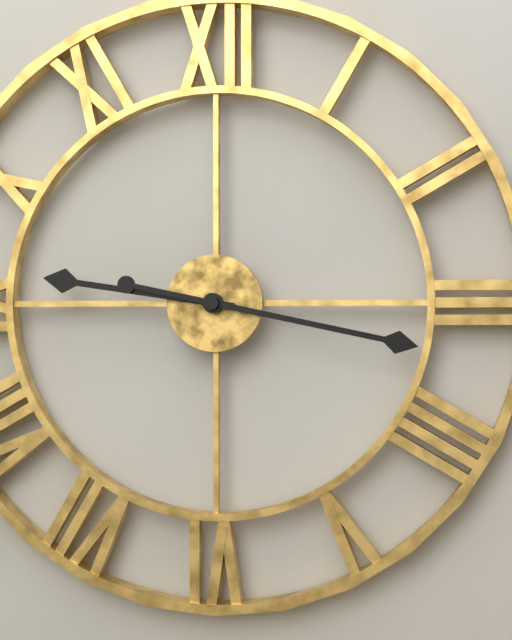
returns 9:17
